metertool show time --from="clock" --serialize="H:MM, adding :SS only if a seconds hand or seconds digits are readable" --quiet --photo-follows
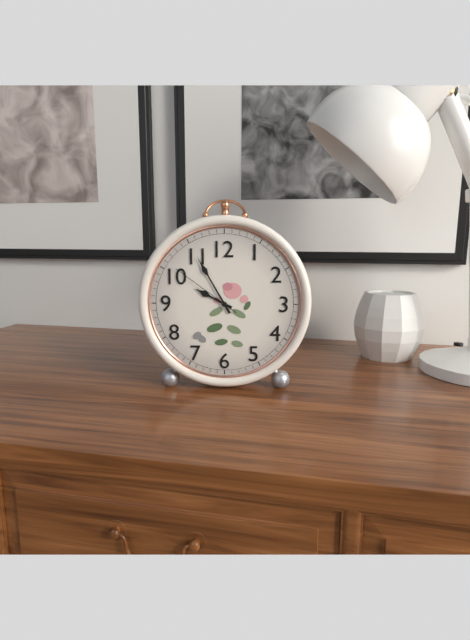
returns 9:55:51
